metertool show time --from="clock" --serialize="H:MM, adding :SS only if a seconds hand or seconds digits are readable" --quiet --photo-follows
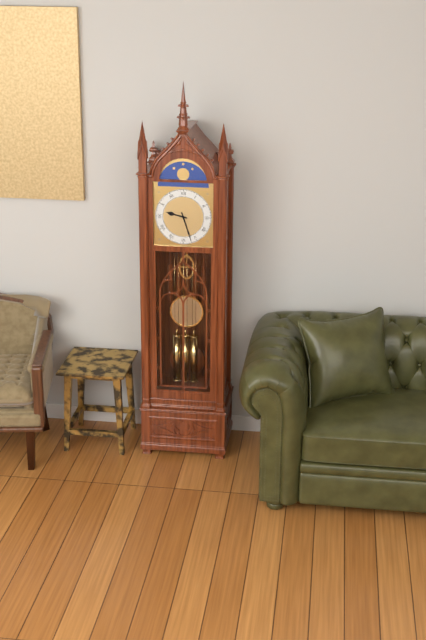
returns 9:27
